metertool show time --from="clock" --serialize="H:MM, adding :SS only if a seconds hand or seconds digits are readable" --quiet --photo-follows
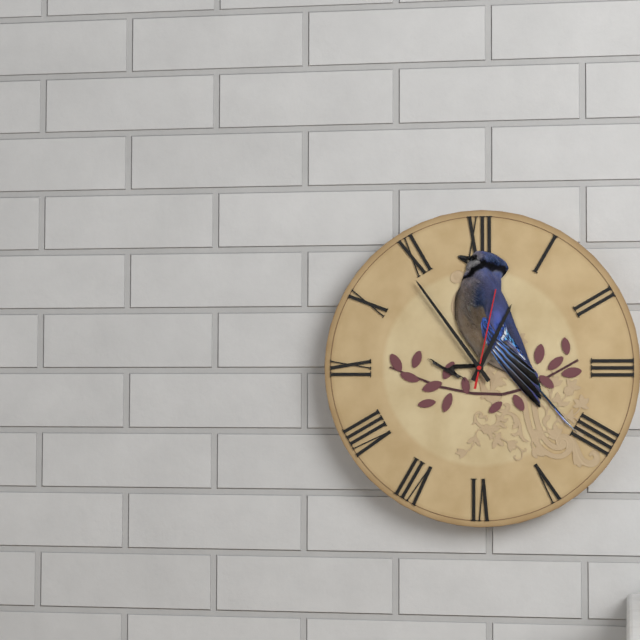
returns 12:54:02
